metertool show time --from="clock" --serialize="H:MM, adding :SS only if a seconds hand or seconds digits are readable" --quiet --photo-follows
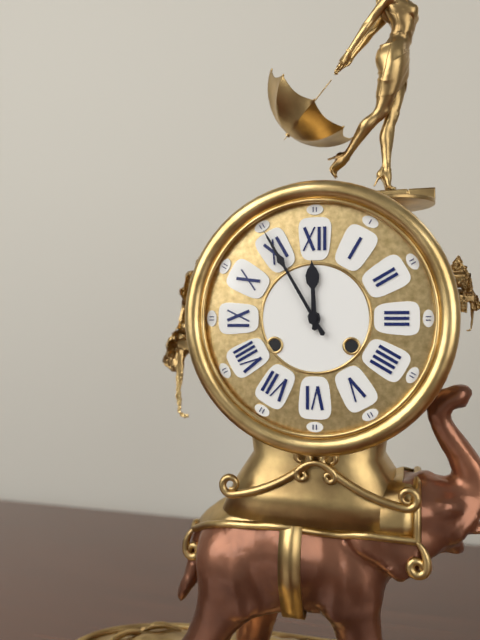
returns 11:55
